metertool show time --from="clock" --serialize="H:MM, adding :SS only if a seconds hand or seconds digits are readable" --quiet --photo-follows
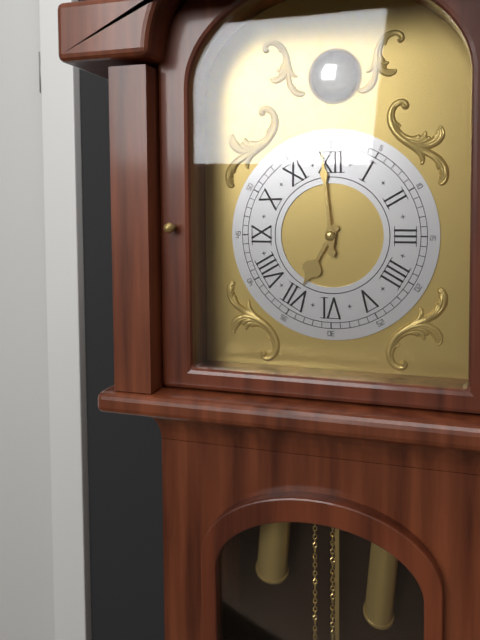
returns 6:59
